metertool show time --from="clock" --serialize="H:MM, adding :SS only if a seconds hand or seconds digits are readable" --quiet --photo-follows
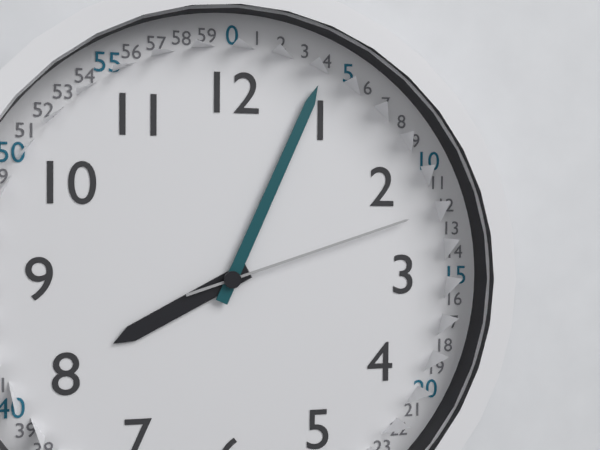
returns 8:04:12
